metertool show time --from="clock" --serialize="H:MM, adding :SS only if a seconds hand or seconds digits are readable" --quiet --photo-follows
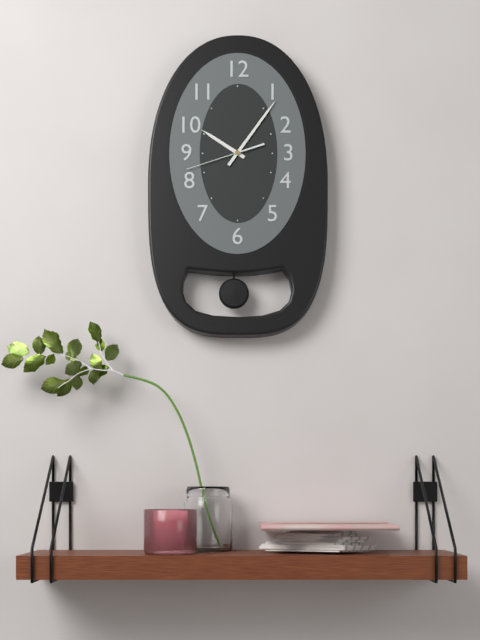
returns 10:06:42
